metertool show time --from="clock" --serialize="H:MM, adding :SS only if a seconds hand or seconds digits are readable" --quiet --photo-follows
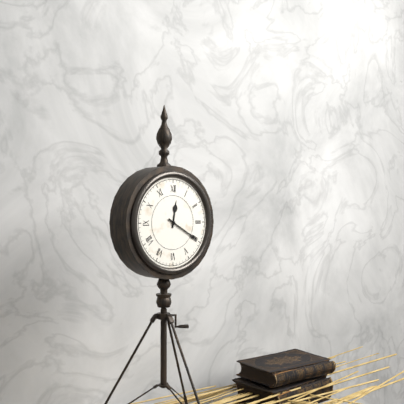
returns 12:20
